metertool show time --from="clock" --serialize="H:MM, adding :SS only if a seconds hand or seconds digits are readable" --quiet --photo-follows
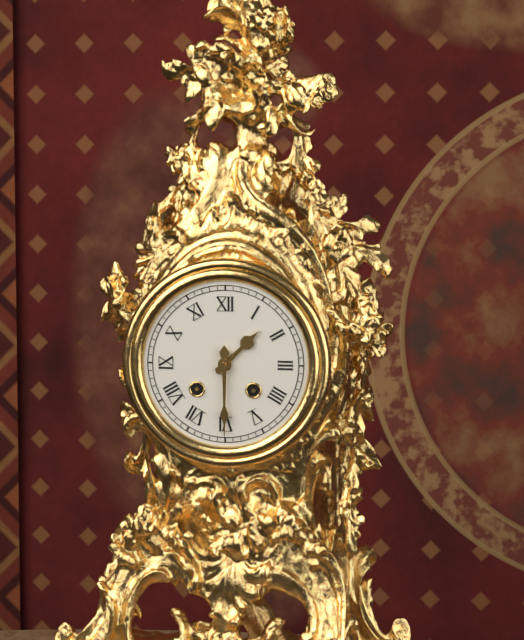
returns 1:30
